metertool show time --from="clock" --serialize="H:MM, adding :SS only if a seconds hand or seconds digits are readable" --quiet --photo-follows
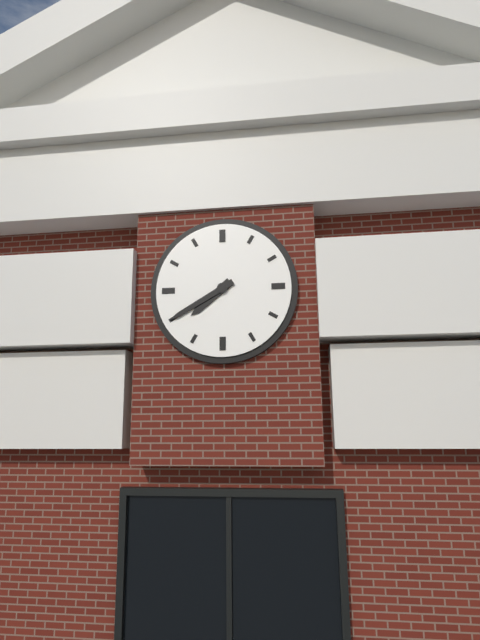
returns 7:40
